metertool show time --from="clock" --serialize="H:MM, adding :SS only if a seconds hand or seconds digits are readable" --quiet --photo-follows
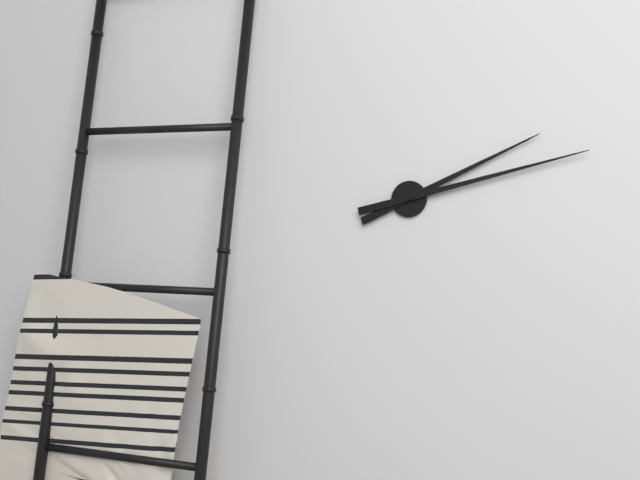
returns 2:13
